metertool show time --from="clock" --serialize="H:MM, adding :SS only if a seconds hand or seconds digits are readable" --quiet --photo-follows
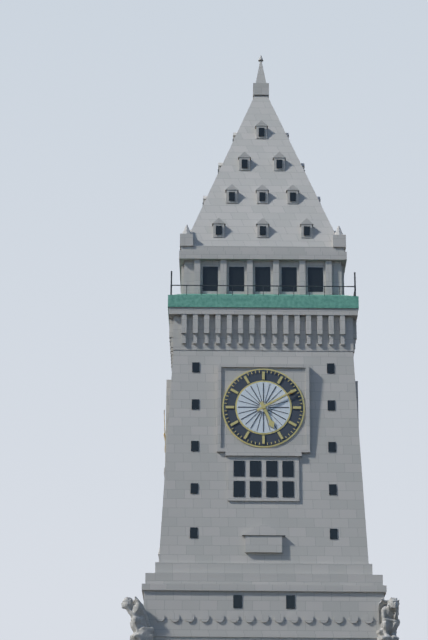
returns 5:10
